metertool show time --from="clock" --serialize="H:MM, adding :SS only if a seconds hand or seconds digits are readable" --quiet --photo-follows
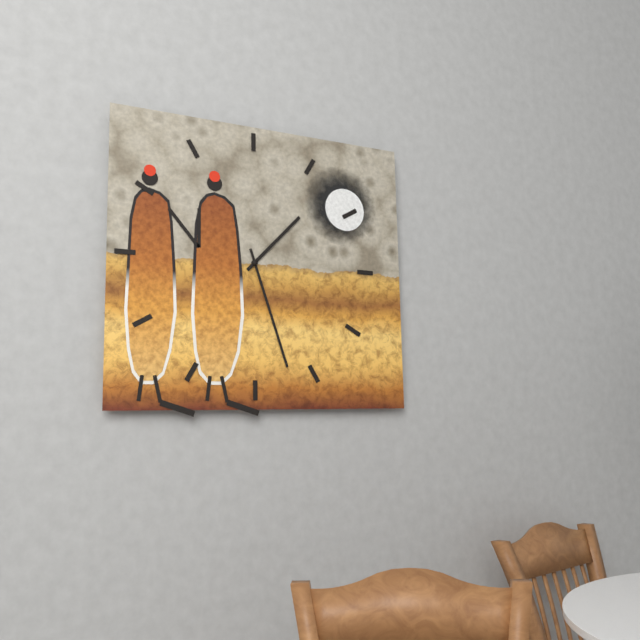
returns 1:27
